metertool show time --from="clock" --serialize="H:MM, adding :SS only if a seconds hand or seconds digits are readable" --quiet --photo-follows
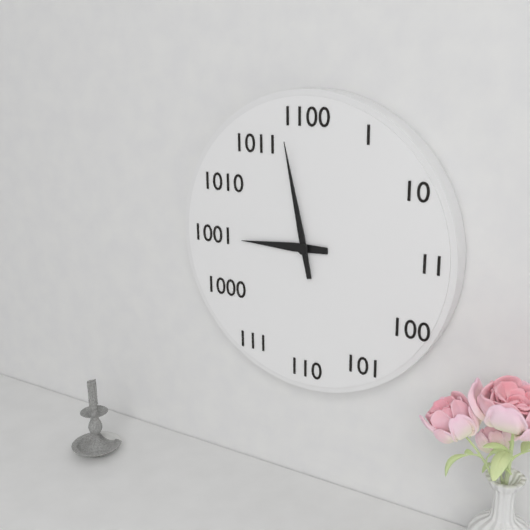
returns 8:58
